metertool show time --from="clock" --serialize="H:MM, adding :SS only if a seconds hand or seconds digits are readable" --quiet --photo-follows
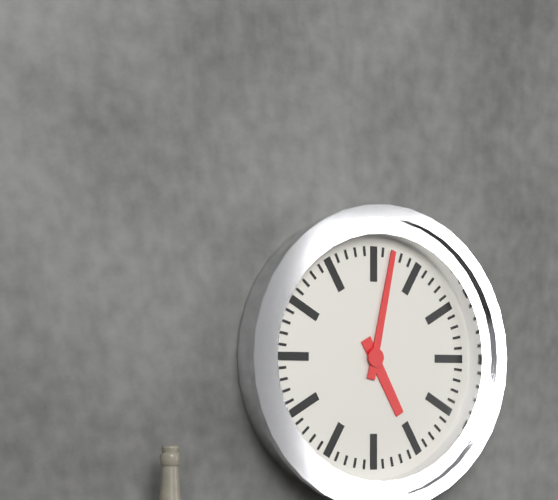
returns 5:02
